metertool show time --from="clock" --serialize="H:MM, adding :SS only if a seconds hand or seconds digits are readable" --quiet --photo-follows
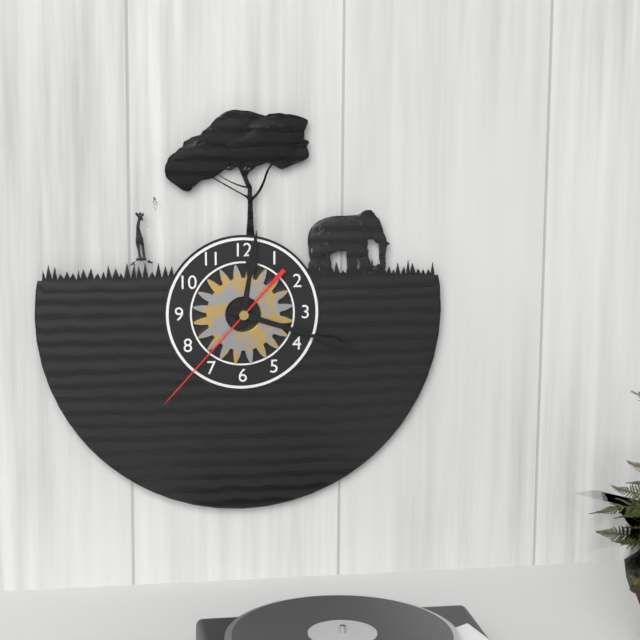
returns 12:18:37
